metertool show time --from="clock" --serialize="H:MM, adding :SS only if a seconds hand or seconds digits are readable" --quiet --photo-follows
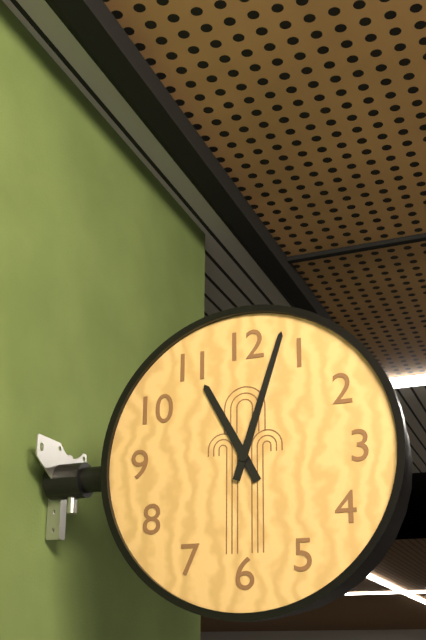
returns 11:03
